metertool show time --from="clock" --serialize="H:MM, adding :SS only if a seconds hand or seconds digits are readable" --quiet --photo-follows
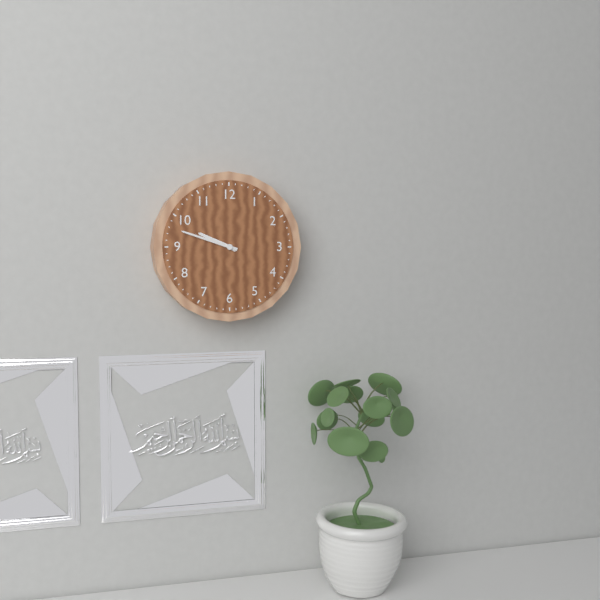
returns 9:48
